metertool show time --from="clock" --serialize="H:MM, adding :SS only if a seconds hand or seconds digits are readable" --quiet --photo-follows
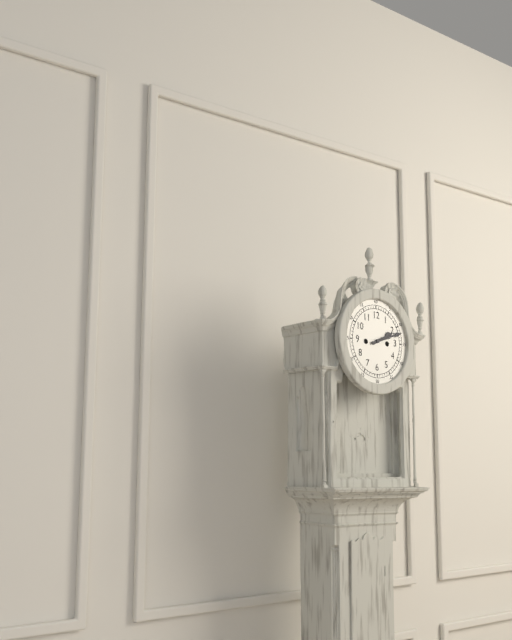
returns 2:12
